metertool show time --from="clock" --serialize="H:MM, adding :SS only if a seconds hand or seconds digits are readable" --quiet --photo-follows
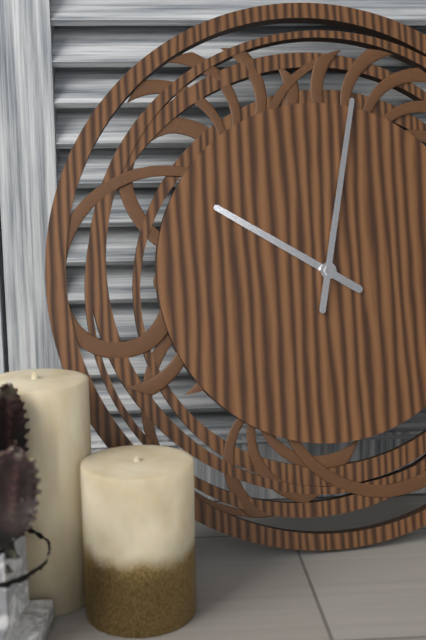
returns 10:02
